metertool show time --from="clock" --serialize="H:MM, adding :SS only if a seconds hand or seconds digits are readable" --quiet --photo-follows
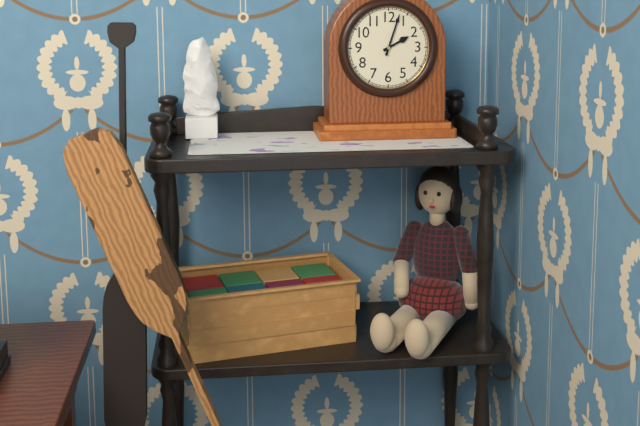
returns 2:03
